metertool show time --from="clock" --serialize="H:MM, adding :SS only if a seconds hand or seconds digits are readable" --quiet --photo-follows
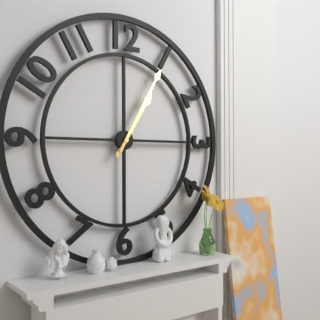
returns 1:05
